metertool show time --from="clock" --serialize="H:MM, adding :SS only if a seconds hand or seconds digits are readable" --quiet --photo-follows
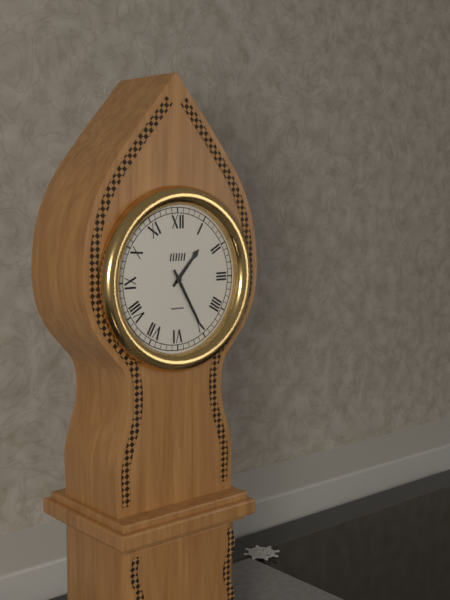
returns 1:25
